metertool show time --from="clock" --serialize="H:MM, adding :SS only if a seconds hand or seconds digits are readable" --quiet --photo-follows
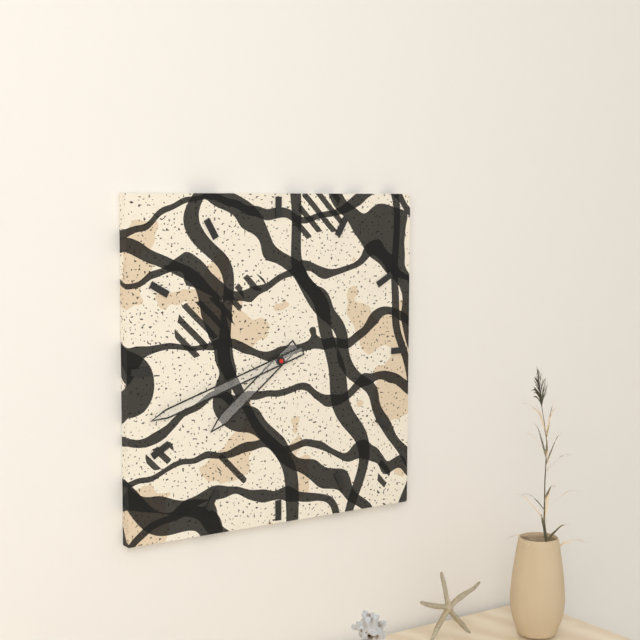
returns 7:42
